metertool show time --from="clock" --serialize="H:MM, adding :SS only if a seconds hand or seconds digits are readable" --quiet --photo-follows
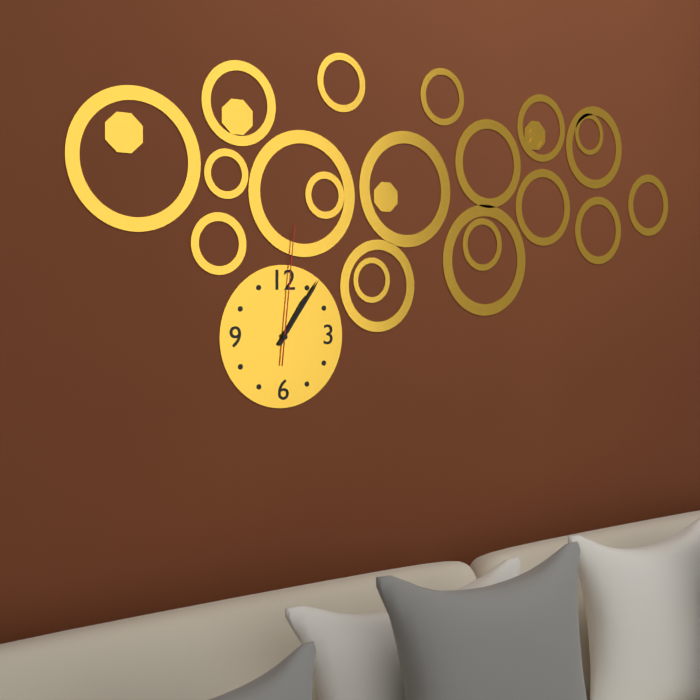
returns 1:06:01
